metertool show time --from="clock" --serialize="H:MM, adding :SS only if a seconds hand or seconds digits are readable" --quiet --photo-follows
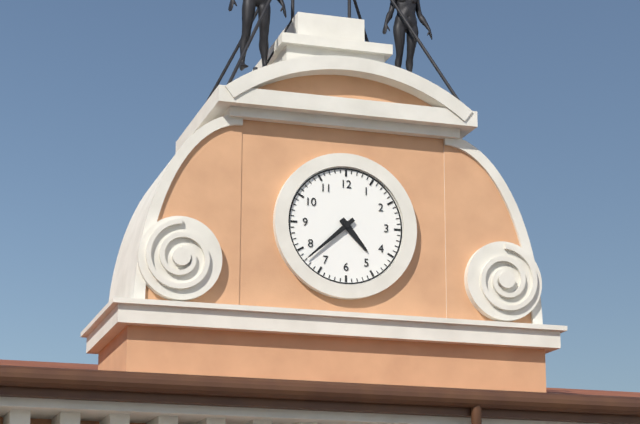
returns 4:38
